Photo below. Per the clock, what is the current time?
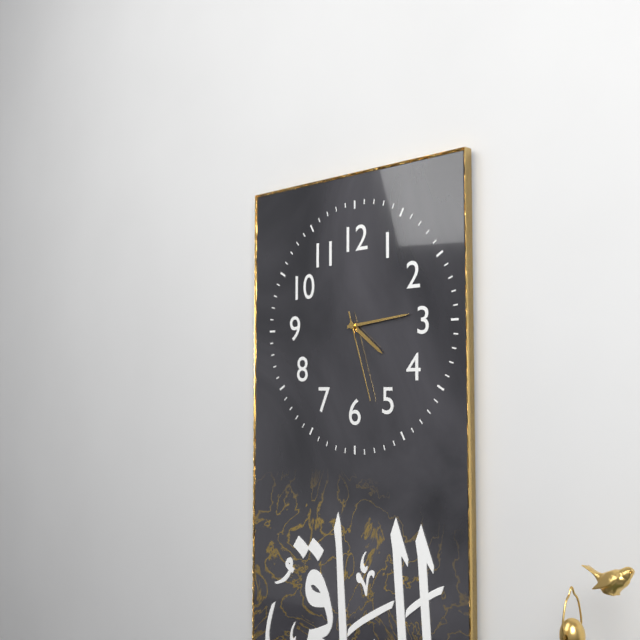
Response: 4:14:27
